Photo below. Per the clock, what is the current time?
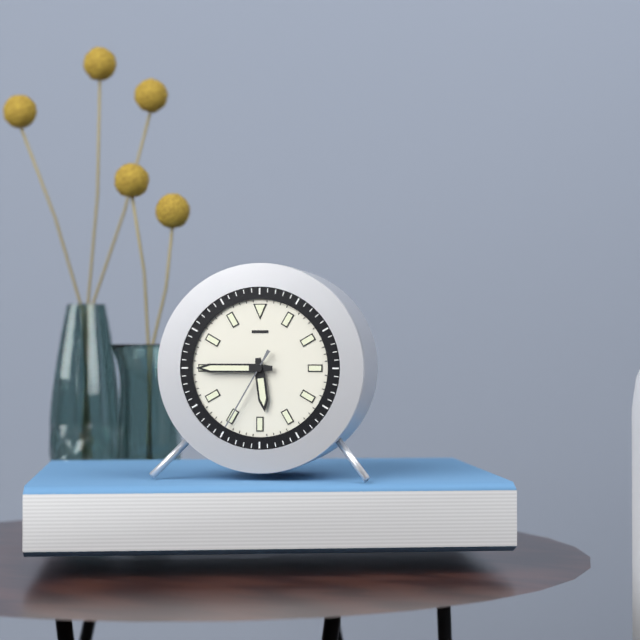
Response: 5:45:35
